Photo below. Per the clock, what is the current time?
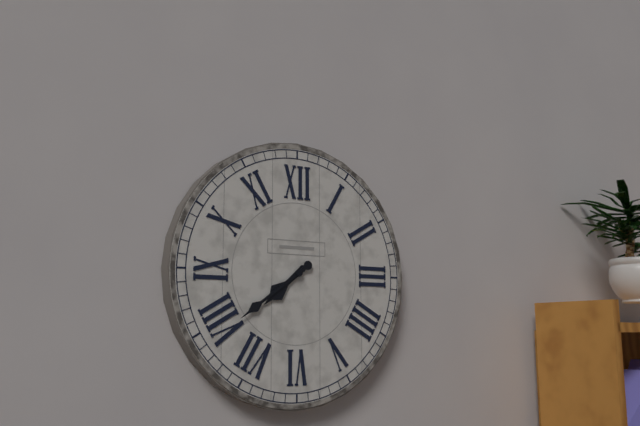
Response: 7:39
